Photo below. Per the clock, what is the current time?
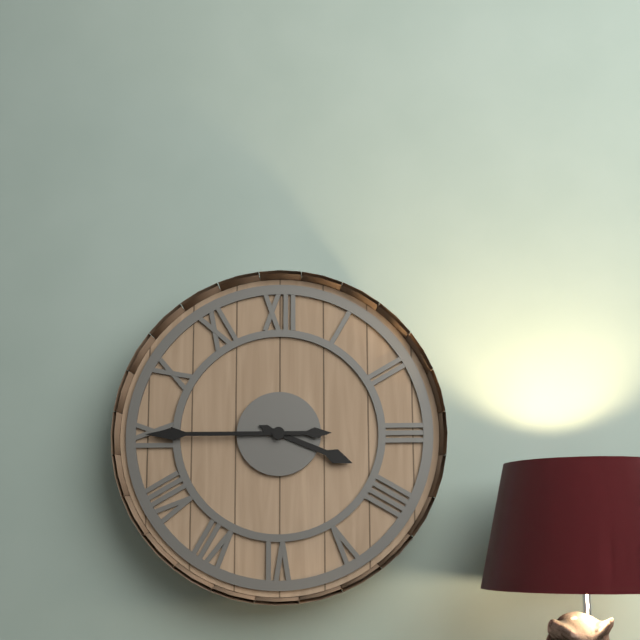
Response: 3:45
